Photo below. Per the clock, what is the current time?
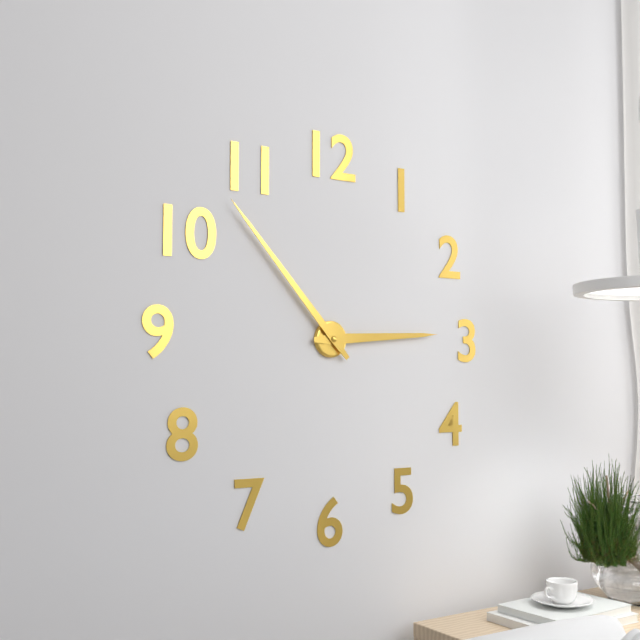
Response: 2:53
